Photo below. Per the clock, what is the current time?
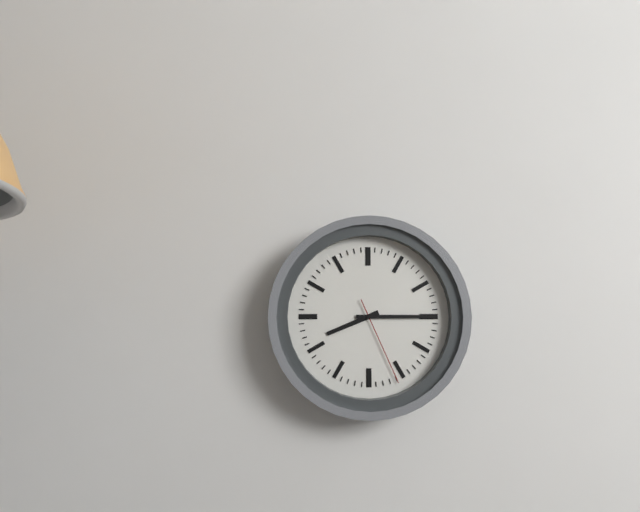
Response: 8:15:26
